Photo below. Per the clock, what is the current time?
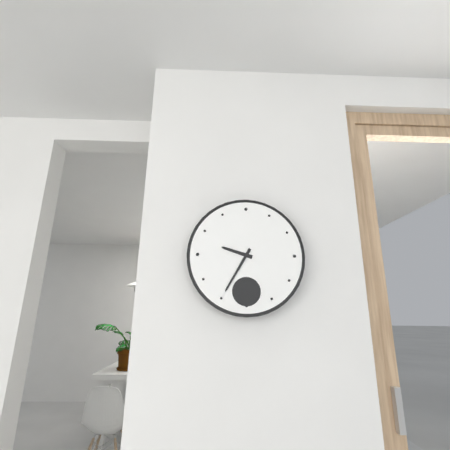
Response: 9:35
